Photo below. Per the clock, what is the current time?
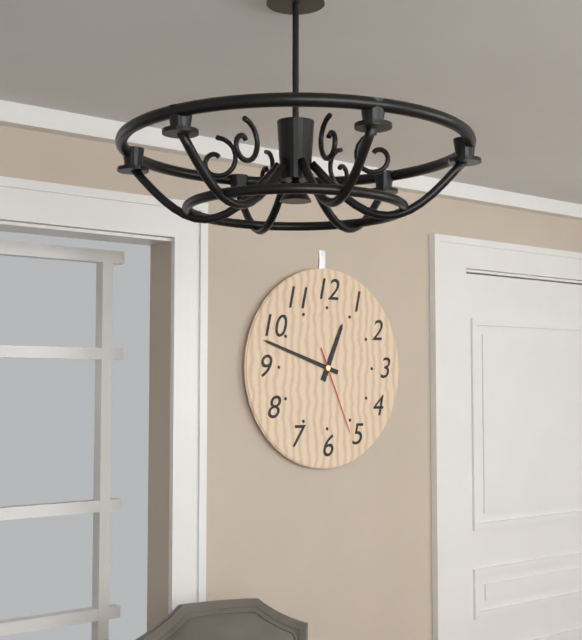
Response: 12:48:26
